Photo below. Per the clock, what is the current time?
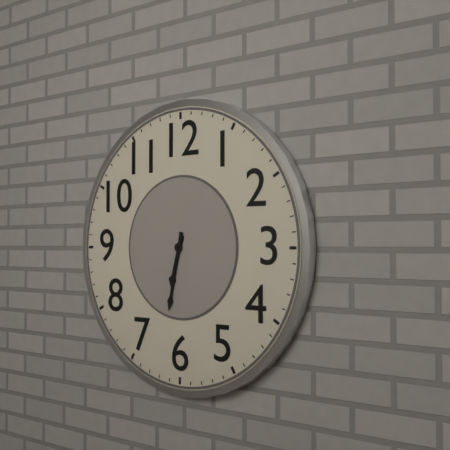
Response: 6:32
